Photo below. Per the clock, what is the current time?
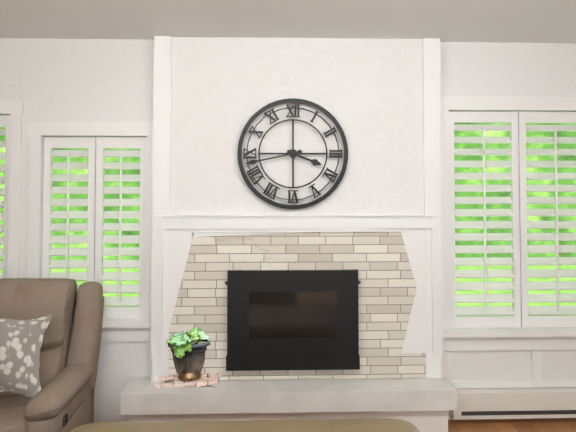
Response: 3:43
